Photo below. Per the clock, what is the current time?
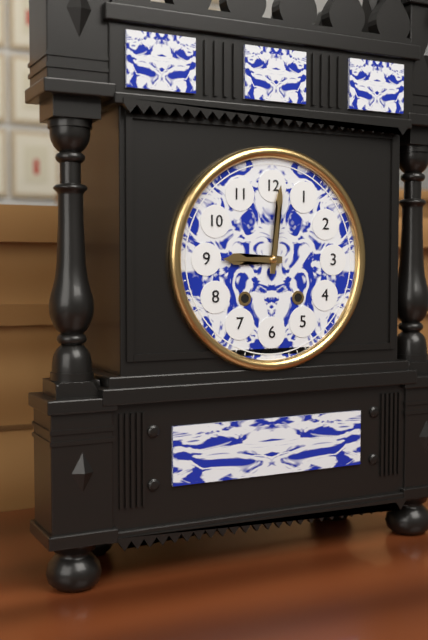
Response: 9:01
